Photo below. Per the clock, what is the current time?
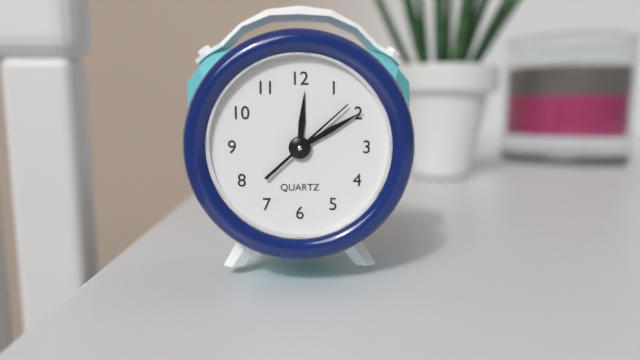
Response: 12:10:08
